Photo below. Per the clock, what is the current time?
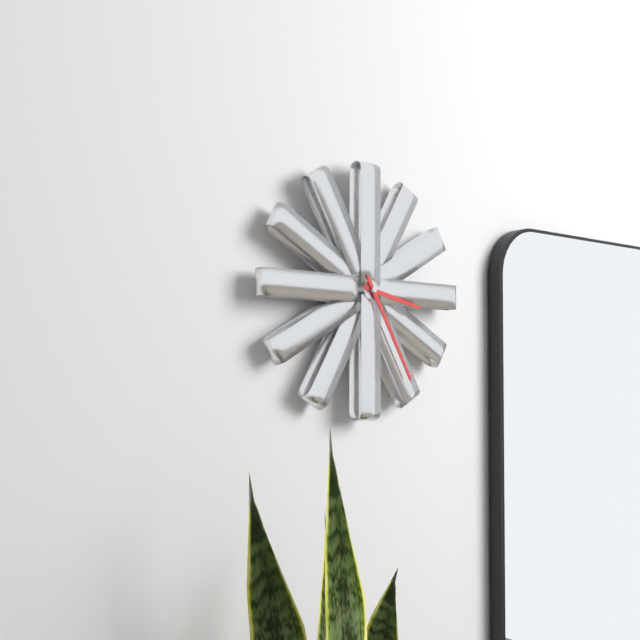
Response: 3:25
